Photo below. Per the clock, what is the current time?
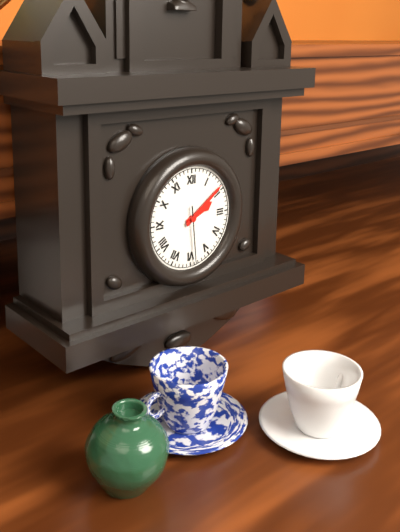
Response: 2:09:29
